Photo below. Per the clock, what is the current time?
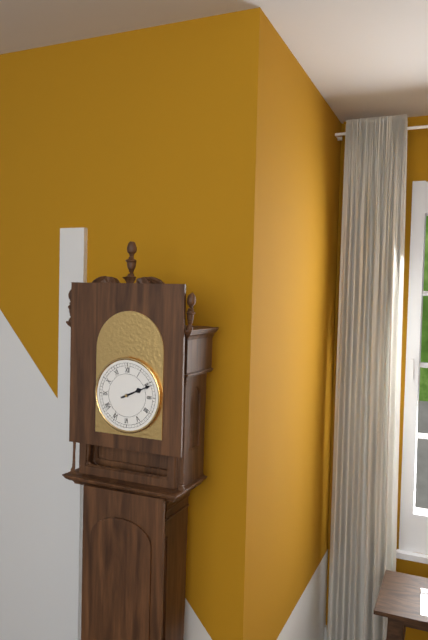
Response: 2:11
